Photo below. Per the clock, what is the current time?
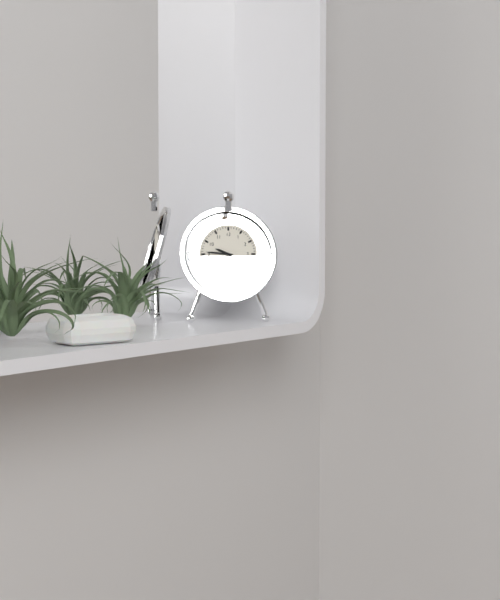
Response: 9:46
